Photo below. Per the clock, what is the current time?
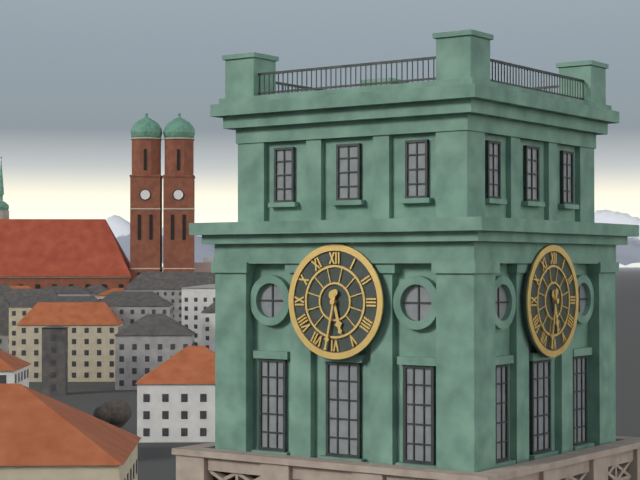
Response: 5:32
